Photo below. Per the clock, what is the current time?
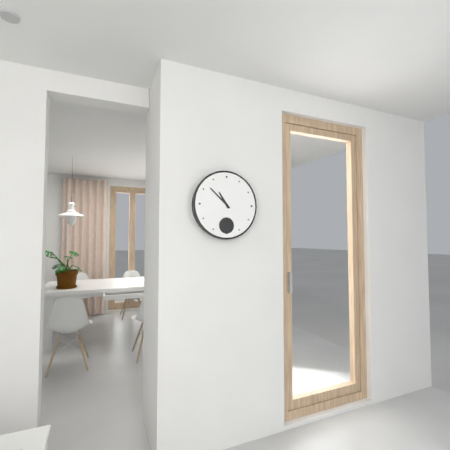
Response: 10:52
